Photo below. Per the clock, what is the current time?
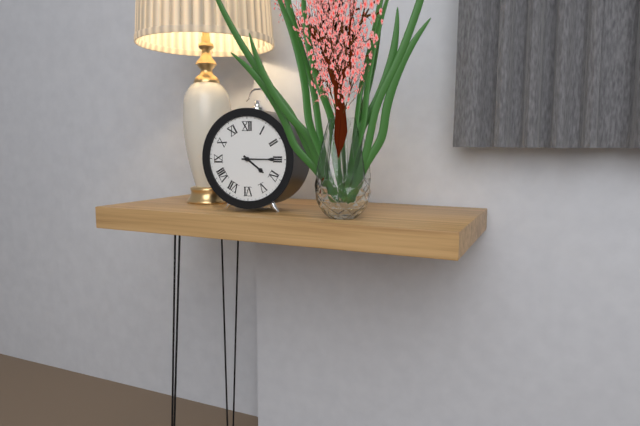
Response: 4:15
